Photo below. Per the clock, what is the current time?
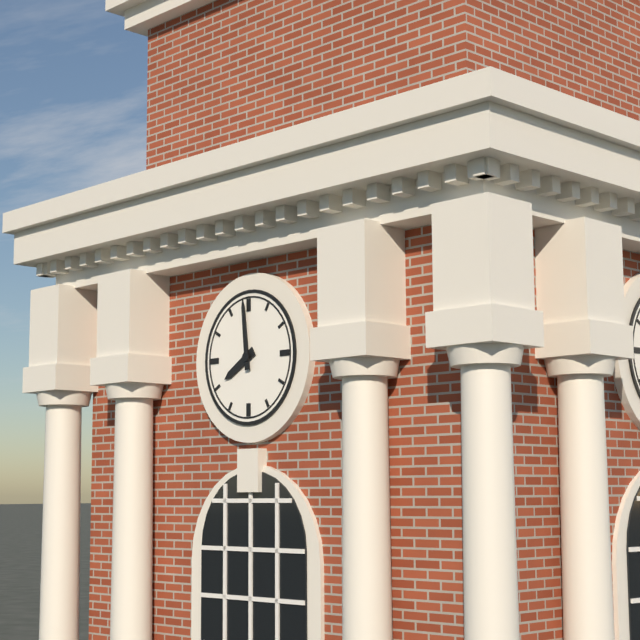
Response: 7:59
